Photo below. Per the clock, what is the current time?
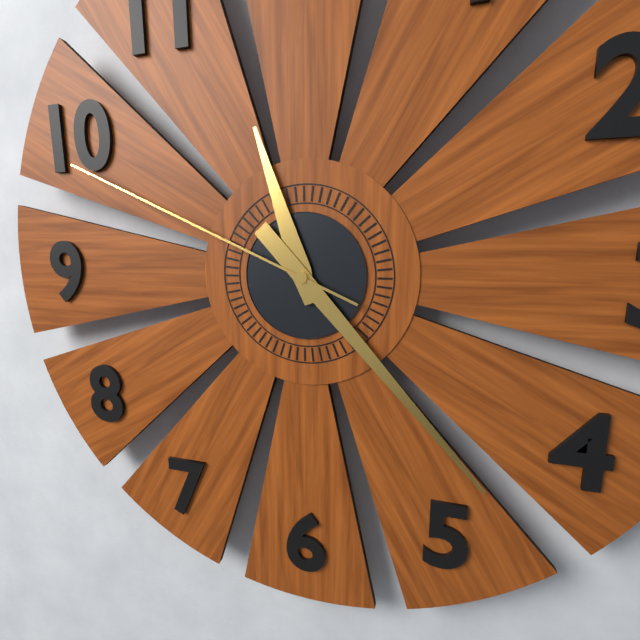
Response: 11:23:49
